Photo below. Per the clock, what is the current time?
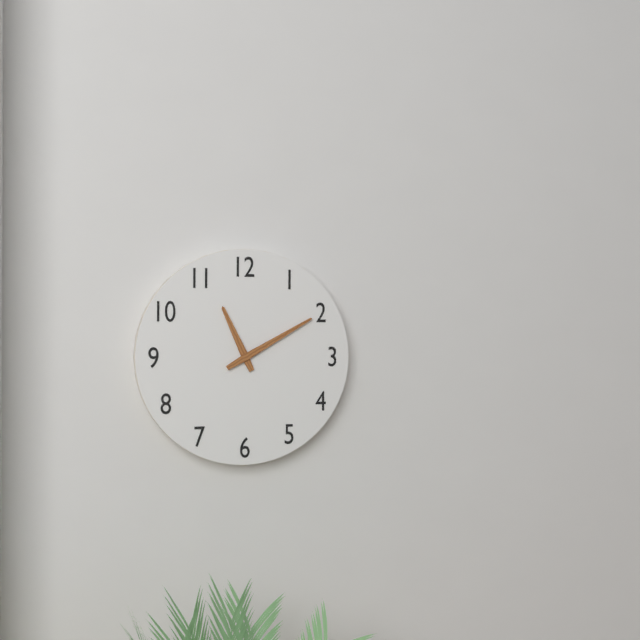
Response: 11:10
